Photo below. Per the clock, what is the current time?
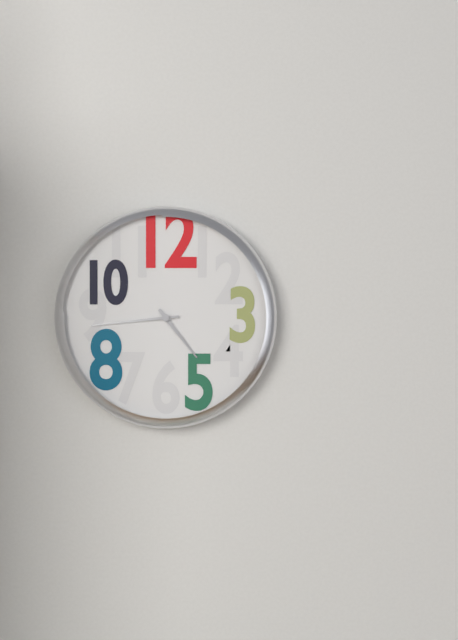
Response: 4:44
